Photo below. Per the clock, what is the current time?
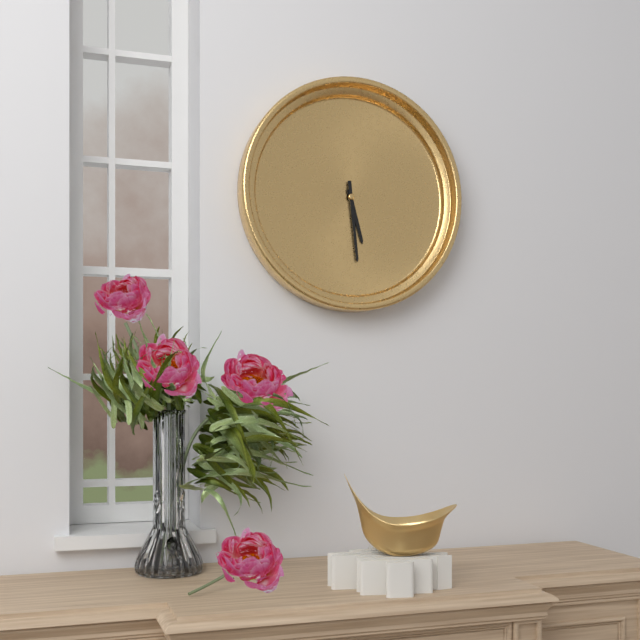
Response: 5:29
